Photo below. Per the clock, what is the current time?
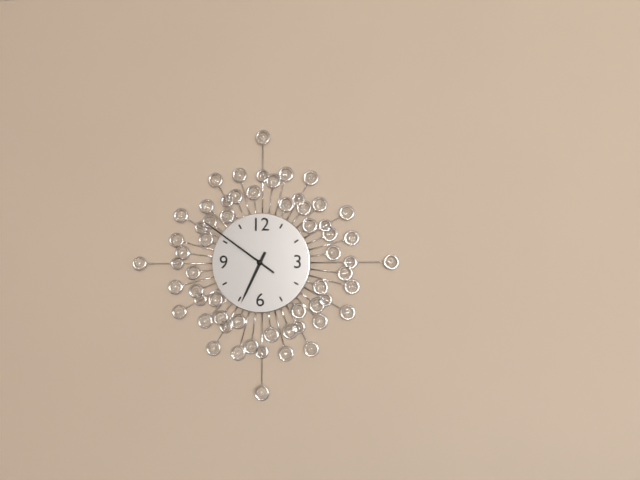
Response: 6:51
